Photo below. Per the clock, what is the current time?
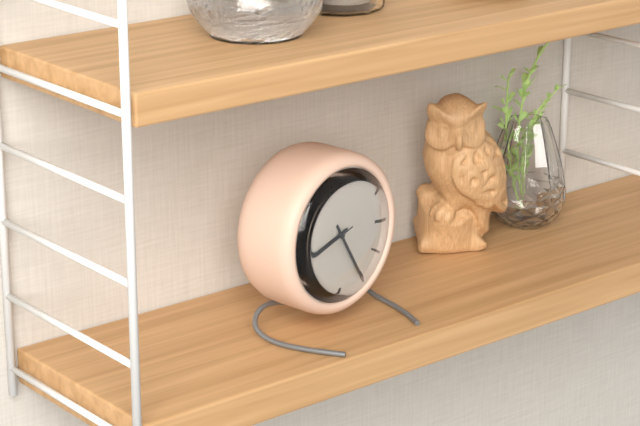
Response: 8:25:42
